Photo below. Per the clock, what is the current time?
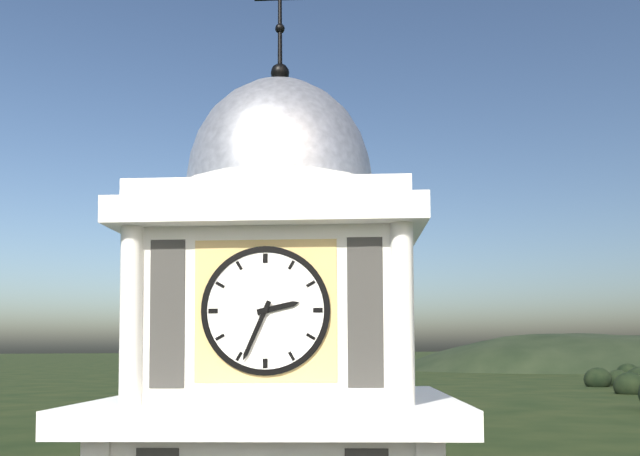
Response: 2:34
